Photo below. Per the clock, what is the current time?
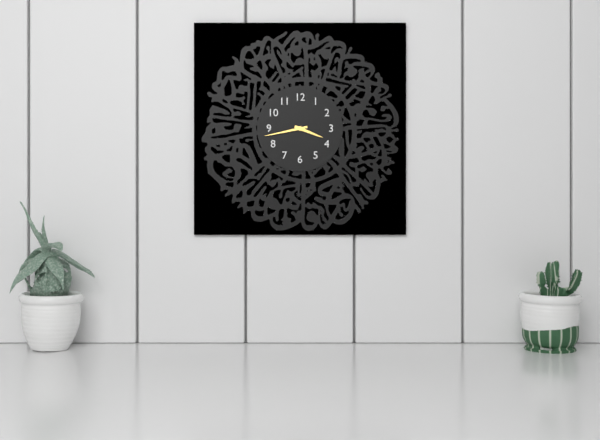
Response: 3:43
